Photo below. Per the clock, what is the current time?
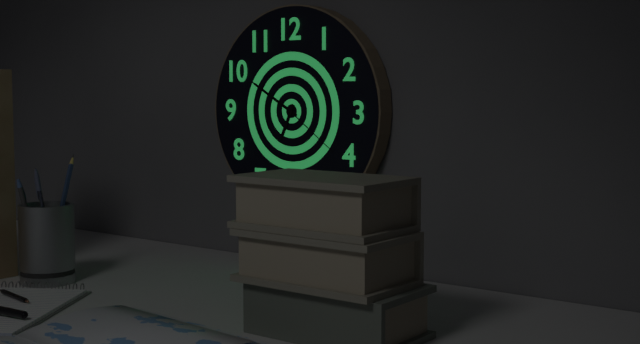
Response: 6:50:21
